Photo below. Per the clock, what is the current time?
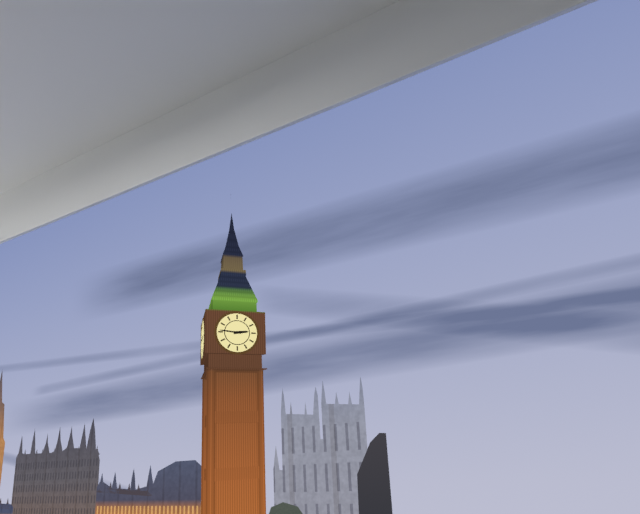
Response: 2:46
